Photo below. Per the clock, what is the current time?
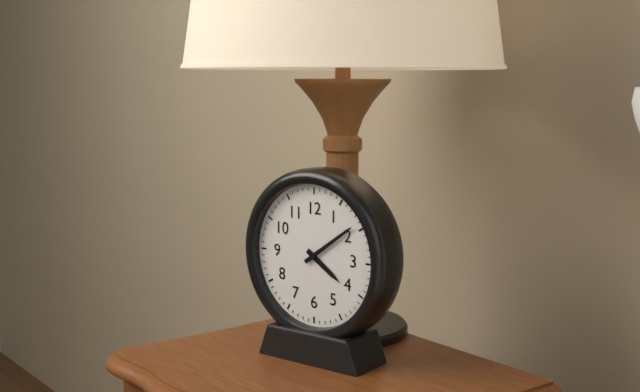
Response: 4:09
